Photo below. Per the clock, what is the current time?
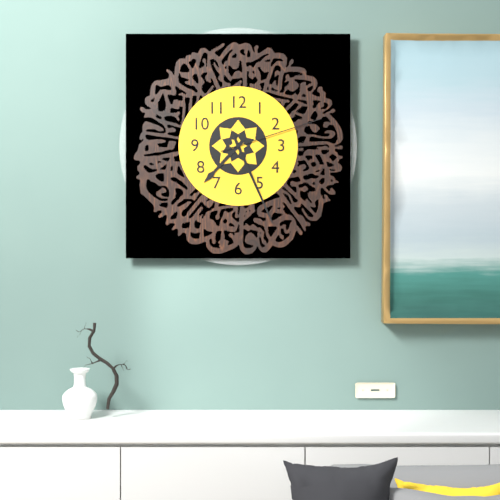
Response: 7:26:12
